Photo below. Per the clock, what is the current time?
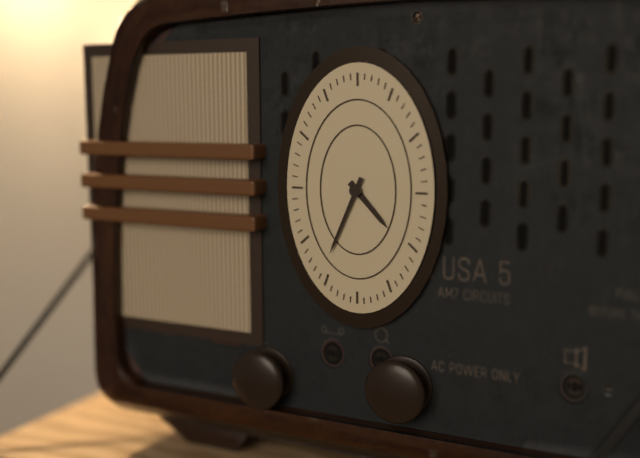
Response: 4:34
